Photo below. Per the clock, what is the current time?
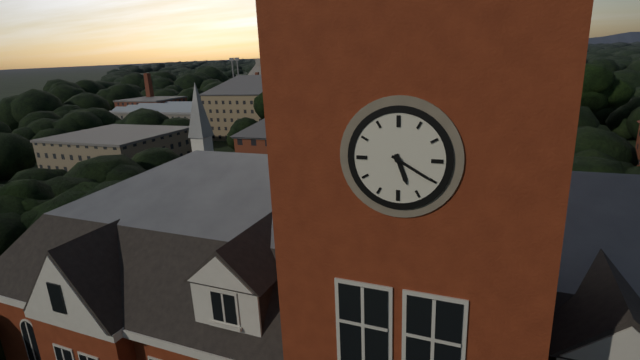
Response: 5:20
